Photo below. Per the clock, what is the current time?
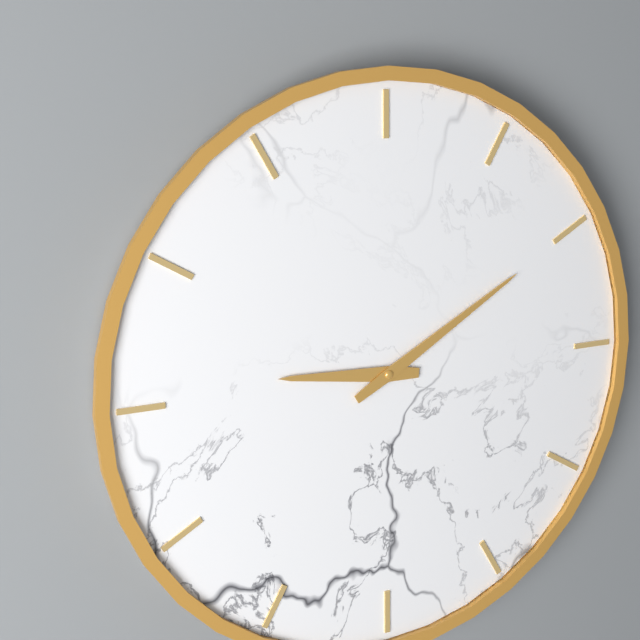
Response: 9:10
